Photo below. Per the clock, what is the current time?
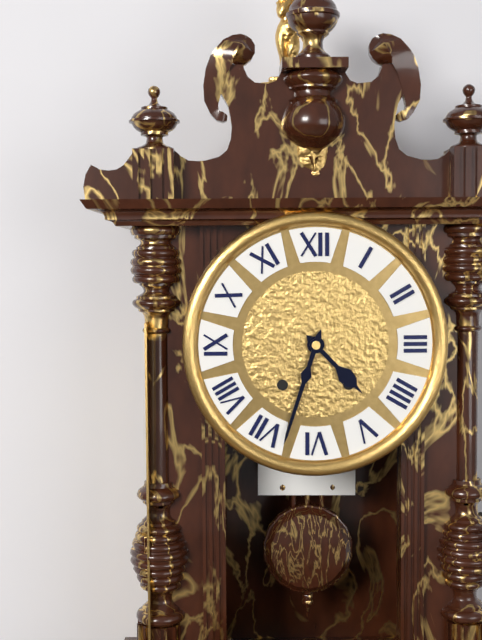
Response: 4:33
